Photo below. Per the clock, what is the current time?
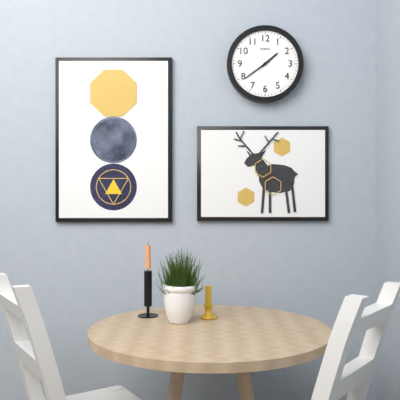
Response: 1:39
